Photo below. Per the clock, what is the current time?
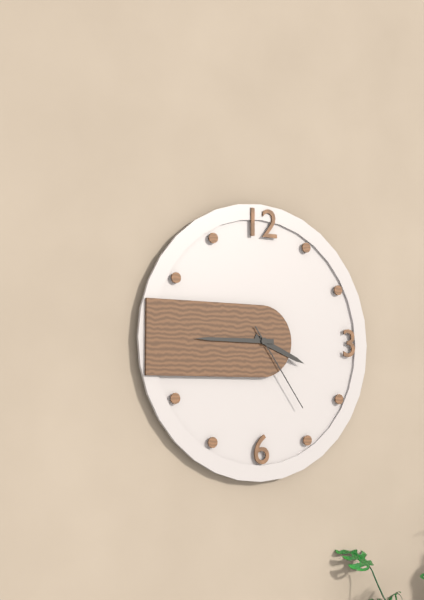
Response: 3:45:24
